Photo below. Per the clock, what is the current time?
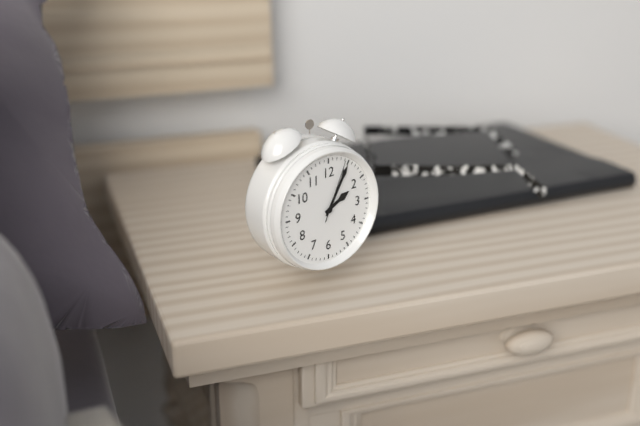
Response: 2:05:04
